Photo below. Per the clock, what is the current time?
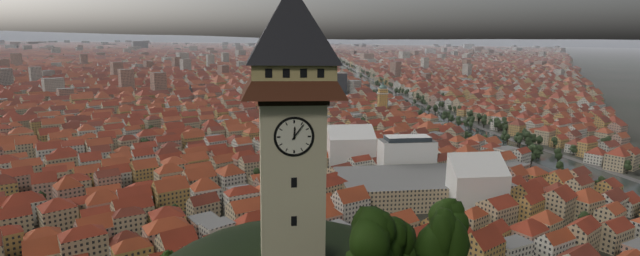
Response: 12:06
